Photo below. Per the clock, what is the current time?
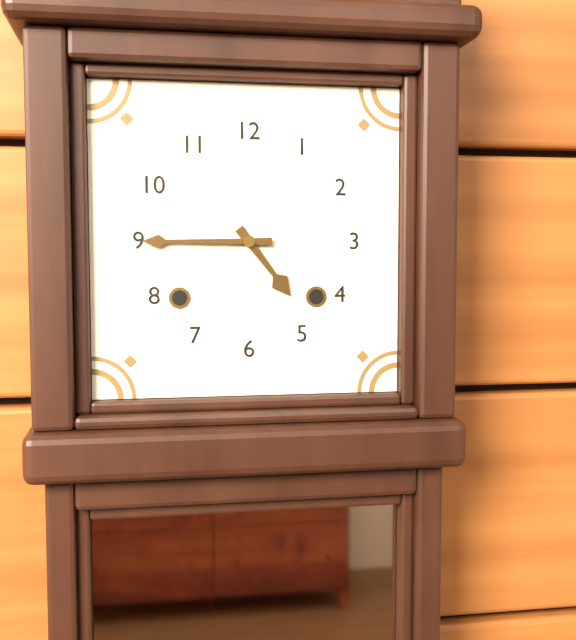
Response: 4:45
